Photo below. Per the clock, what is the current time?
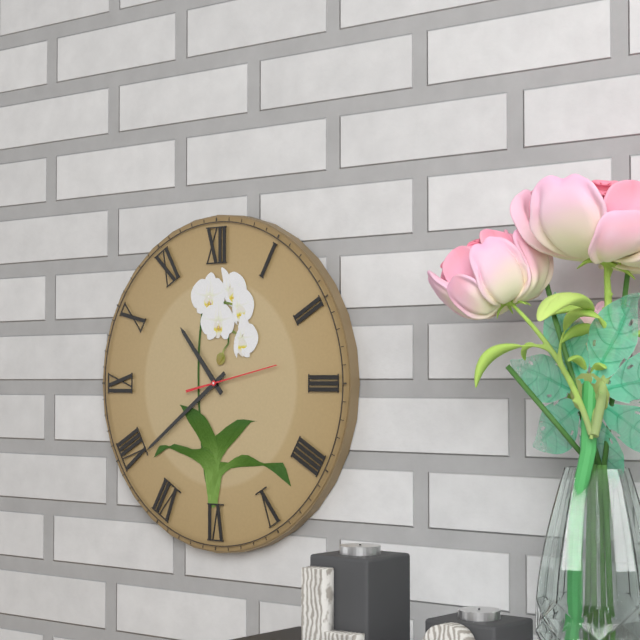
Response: 10:39:13
